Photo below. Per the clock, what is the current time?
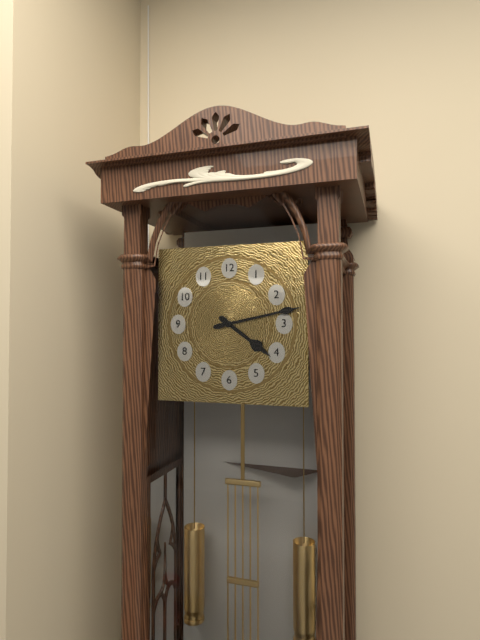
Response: 4:13
